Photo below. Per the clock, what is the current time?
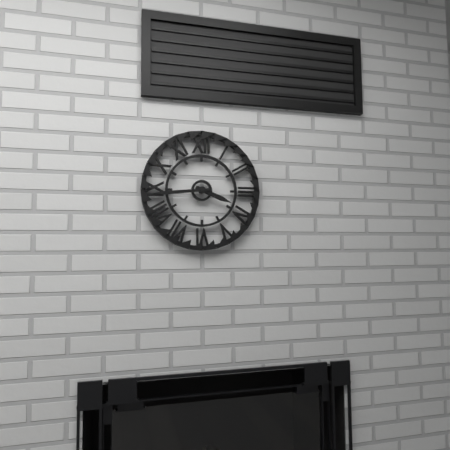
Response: 3:44
